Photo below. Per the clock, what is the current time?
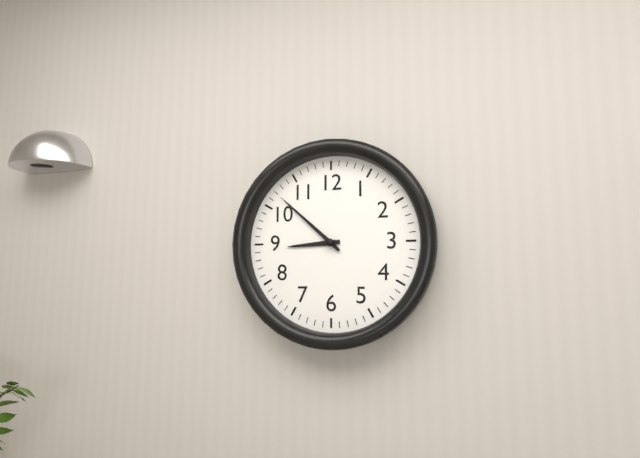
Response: 8:52
